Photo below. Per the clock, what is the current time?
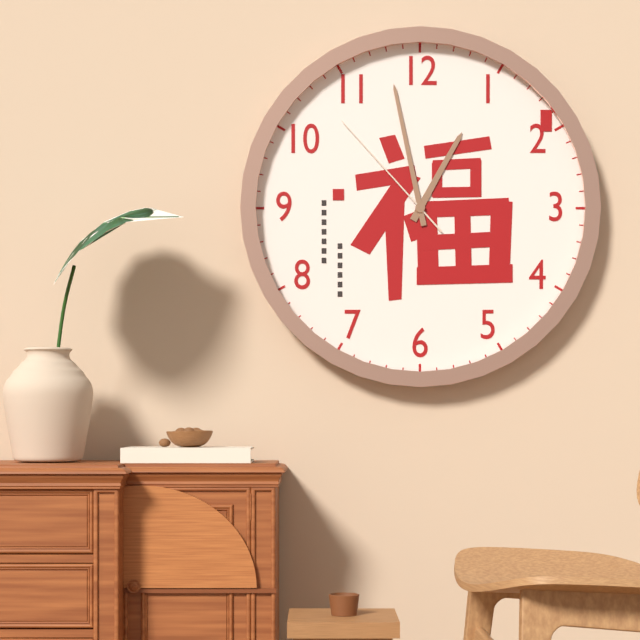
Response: 12:58:53
